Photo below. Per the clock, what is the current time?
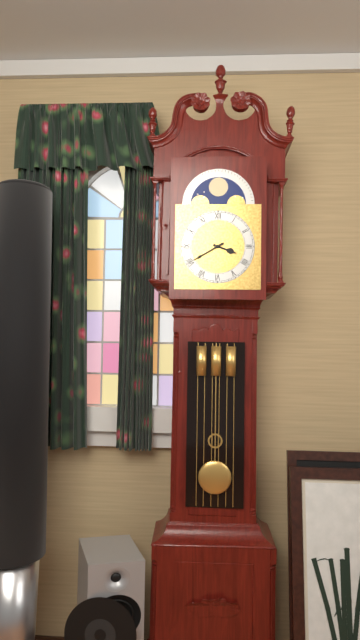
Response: 3:40
